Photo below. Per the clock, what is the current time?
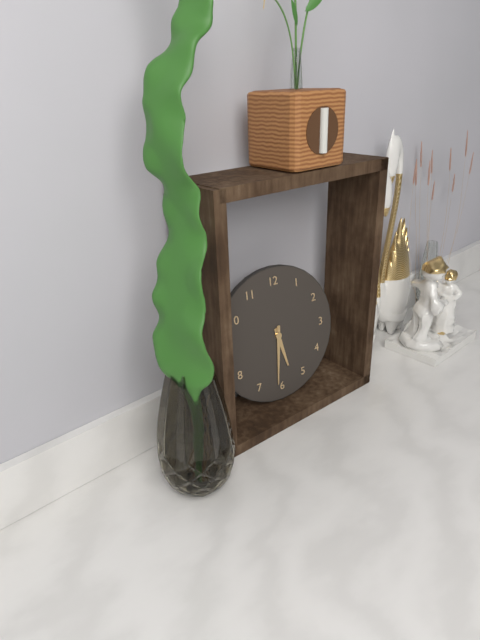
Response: 5:31
